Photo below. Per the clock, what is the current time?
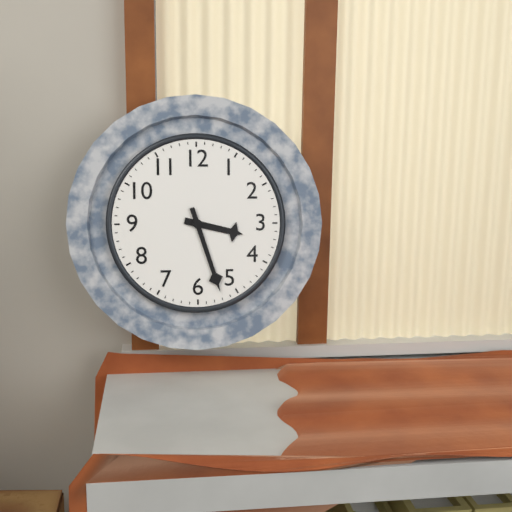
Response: 3:27
